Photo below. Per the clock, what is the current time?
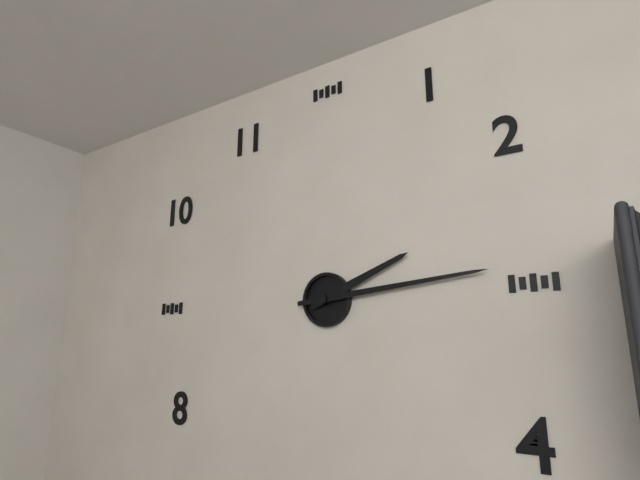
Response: 2:14
